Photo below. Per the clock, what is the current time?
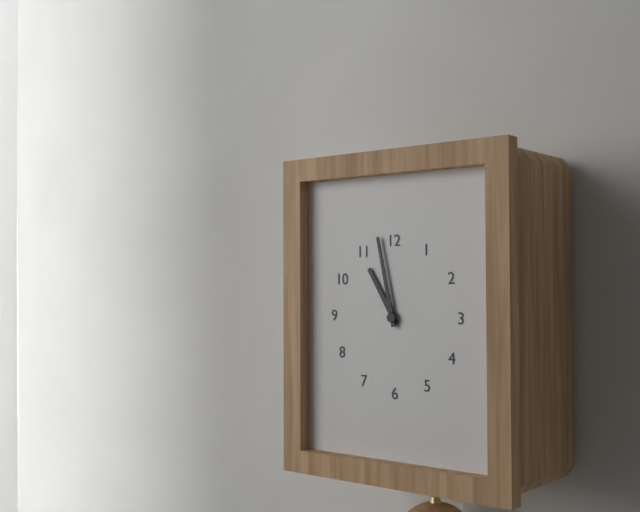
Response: 10:58
